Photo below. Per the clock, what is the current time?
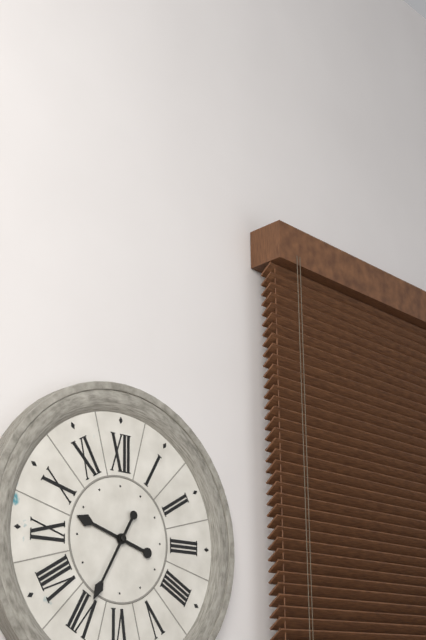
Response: 9:35
